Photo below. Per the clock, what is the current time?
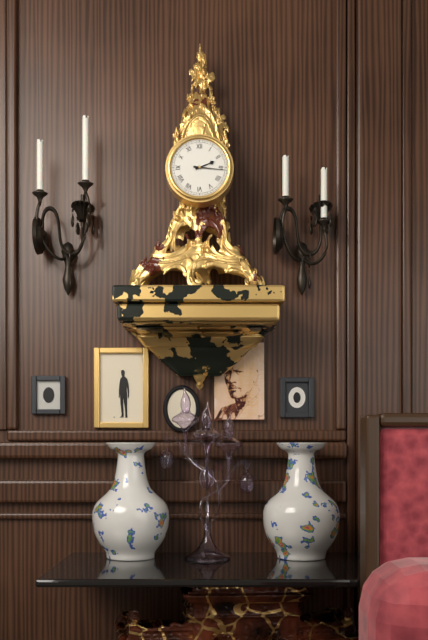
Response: 2:16
